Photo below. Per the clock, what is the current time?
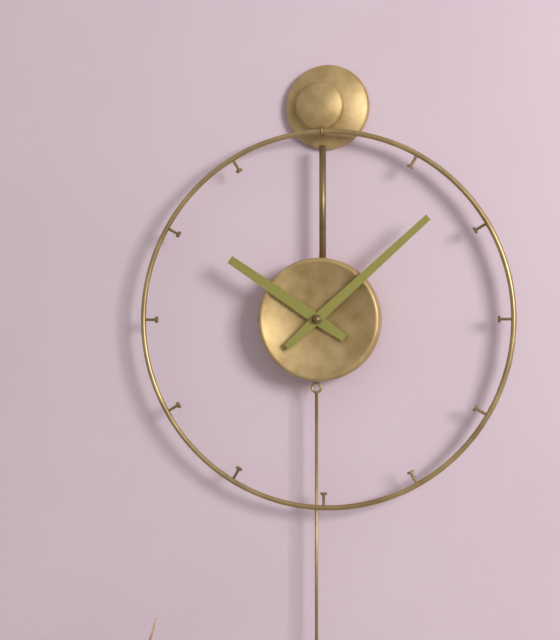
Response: 10:08
